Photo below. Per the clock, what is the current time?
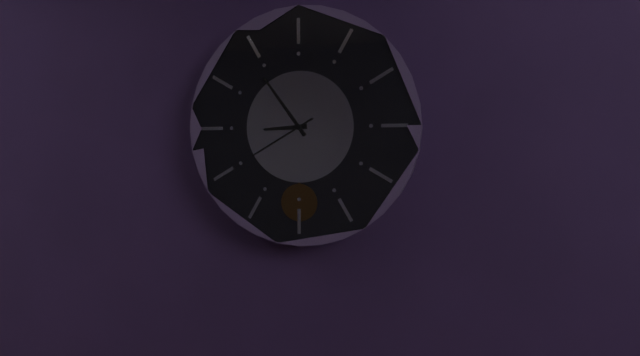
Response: 8:54:40
